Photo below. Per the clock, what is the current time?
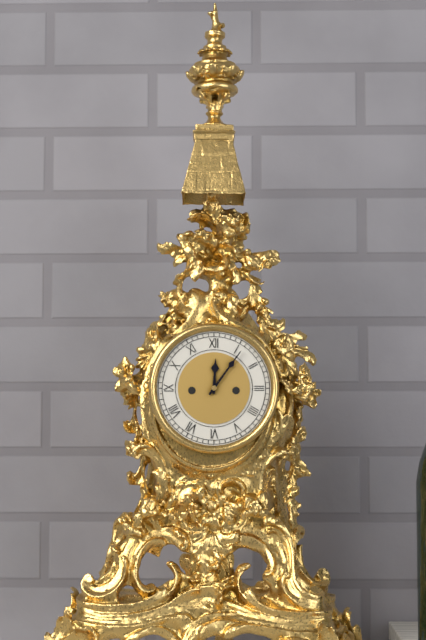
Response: 12:06
